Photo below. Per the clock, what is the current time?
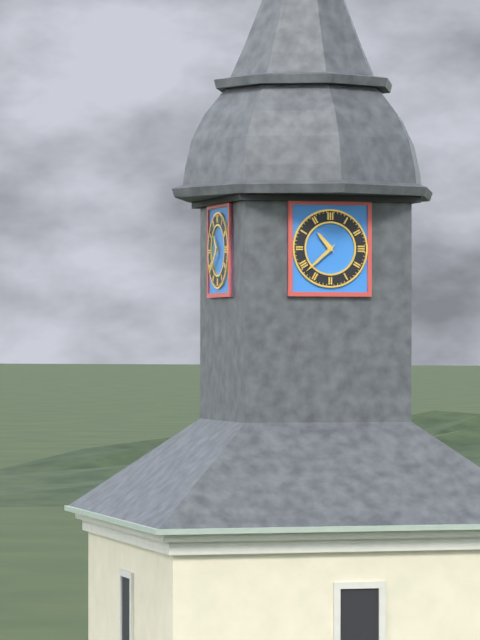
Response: 10:38
